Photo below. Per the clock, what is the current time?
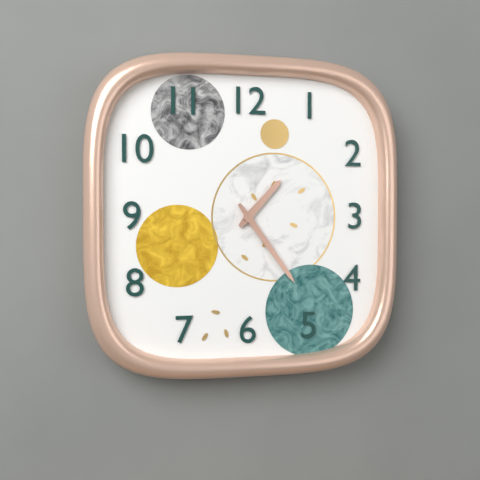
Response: 1:24
